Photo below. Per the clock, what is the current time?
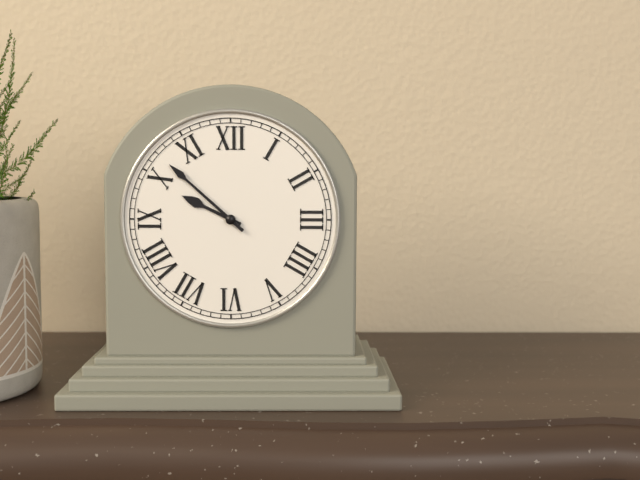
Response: 9:52
